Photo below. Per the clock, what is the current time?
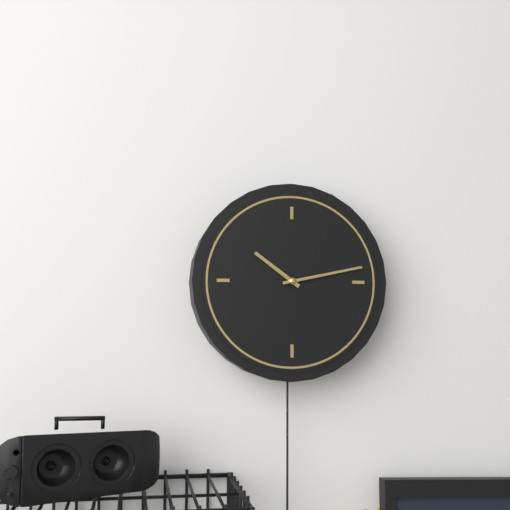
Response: 10:13
